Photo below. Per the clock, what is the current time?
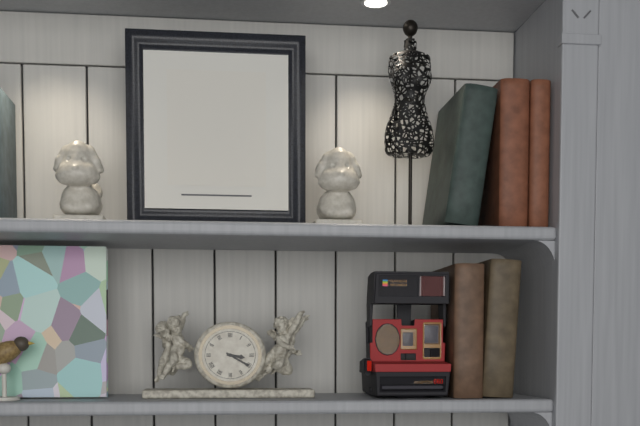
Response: 3:20
